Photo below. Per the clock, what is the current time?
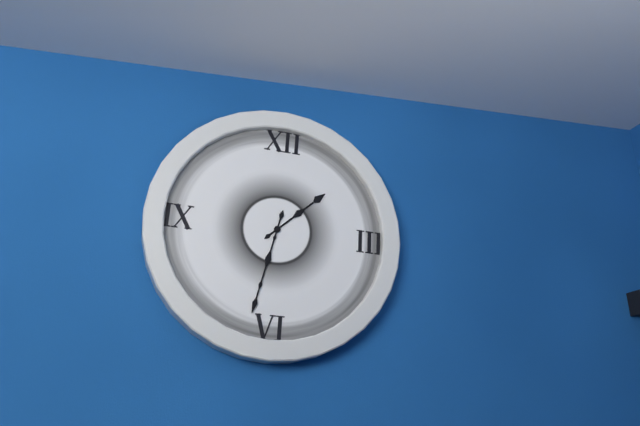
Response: 1:32
